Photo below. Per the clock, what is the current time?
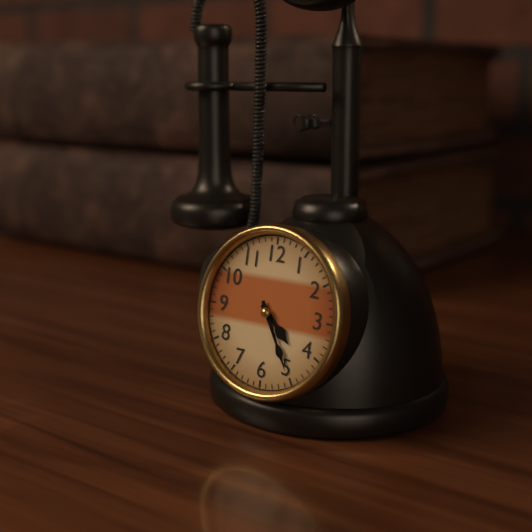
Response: 4:25
